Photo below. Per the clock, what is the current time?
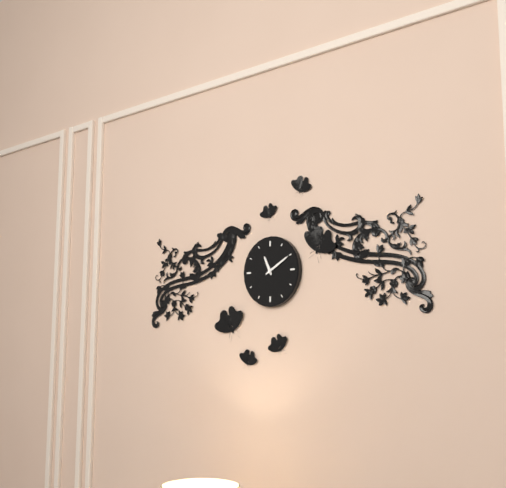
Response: 11:10
